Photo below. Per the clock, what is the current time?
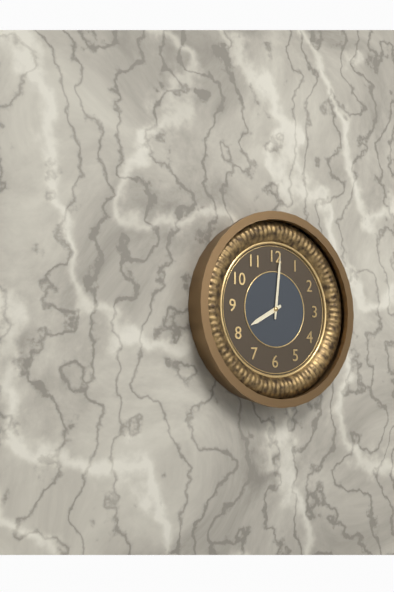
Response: 8:01
